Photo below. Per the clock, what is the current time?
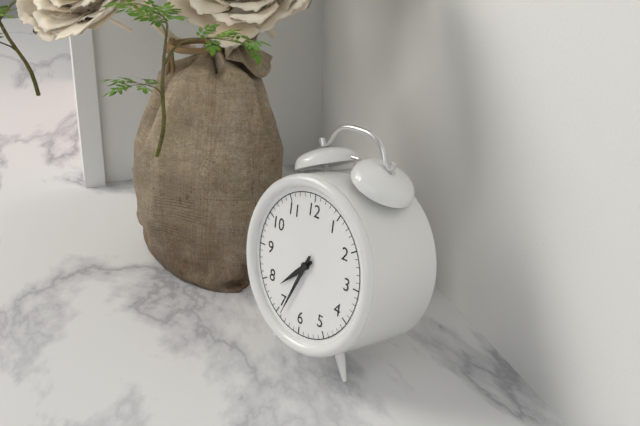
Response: 7:34
